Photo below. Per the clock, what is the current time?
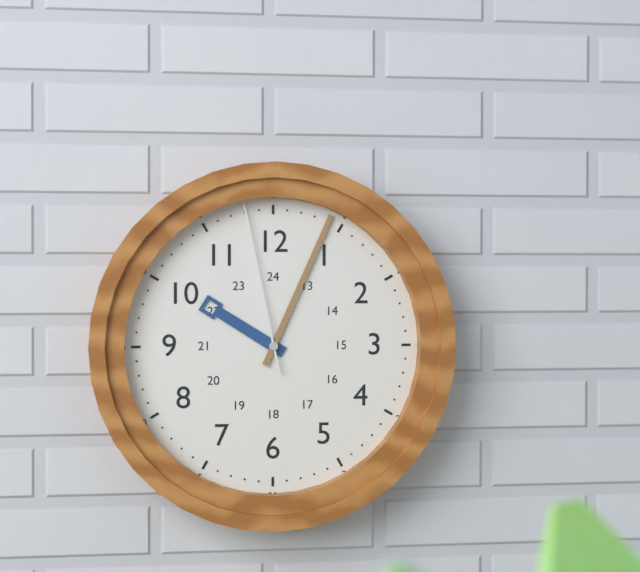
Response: 10:04:58
